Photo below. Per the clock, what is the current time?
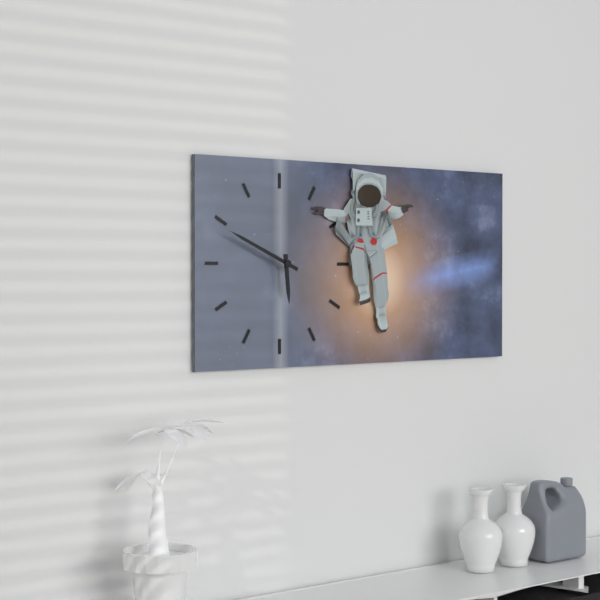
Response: 5:49
